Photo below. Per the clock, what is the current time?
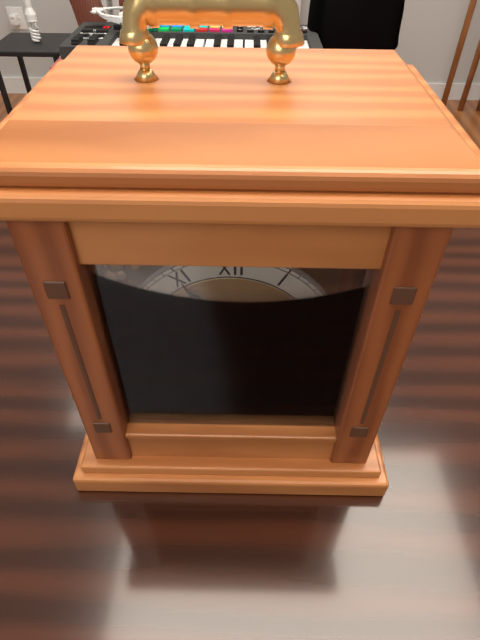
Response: 12:55
